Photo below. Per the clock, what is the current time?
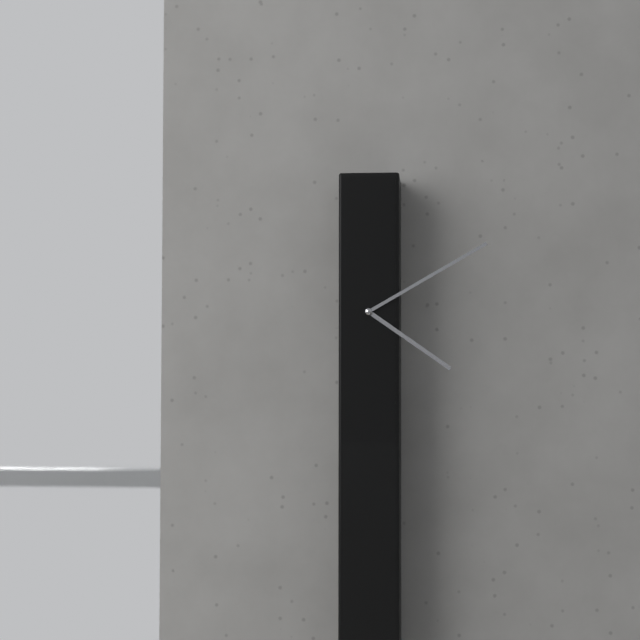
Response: 4:10
